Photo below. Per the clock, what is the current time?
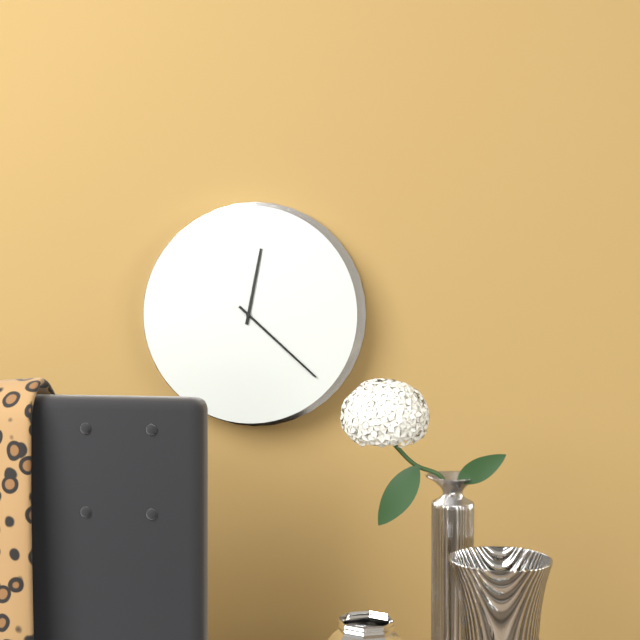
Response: 12:22
